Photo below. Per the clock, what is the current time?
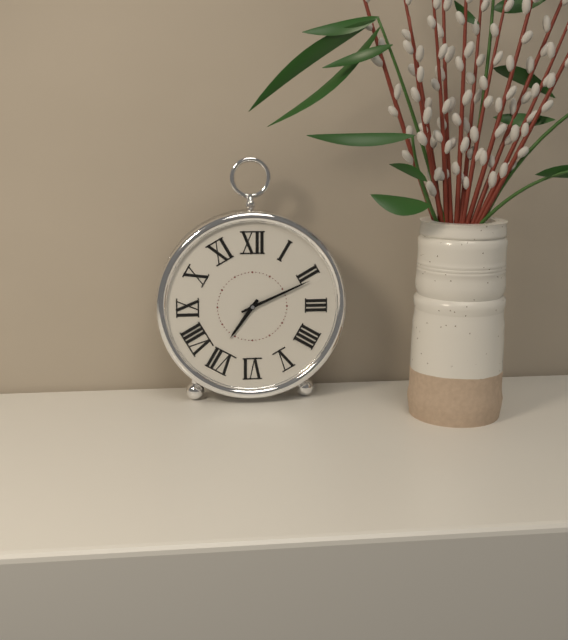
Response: 7:11
